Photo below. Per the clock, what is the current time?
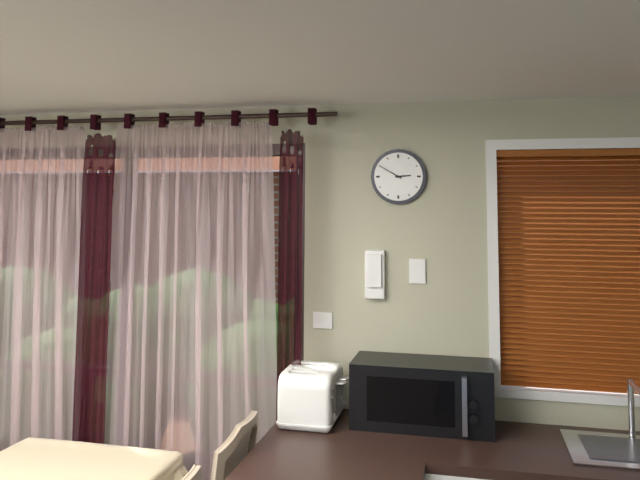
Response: 2:50
